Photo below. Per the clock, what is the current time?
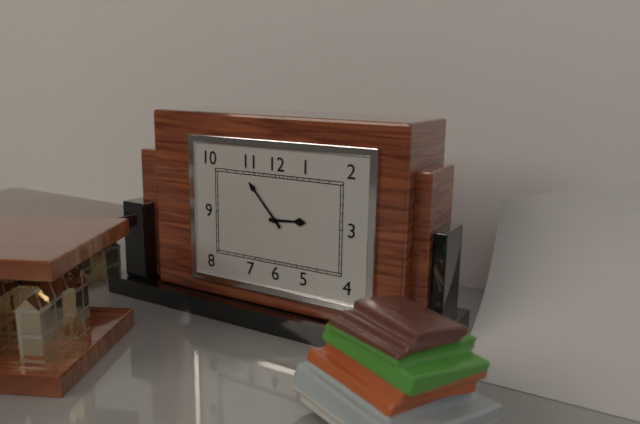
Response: 2:53
